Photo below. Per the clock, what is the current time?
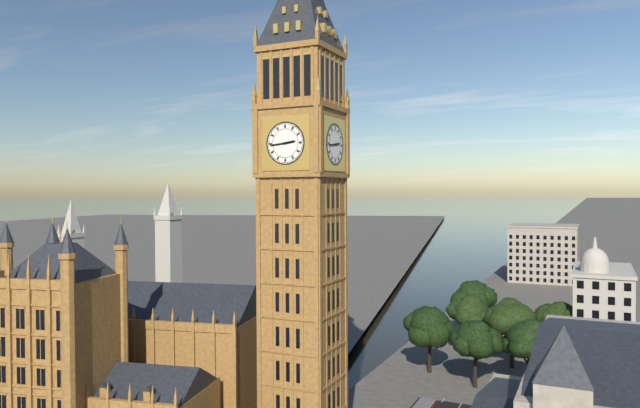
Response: 2:44
